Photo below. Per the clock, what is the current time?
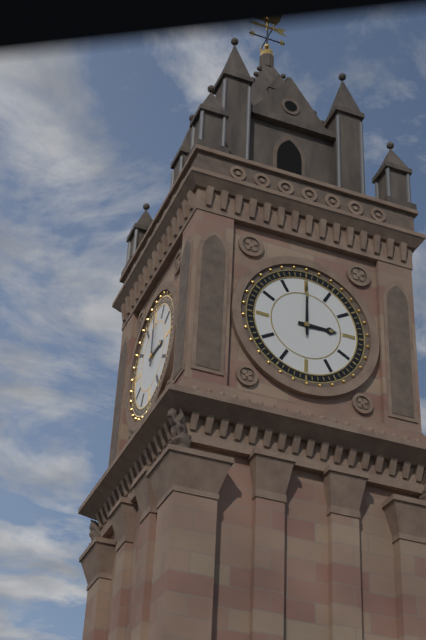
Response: 3:00
